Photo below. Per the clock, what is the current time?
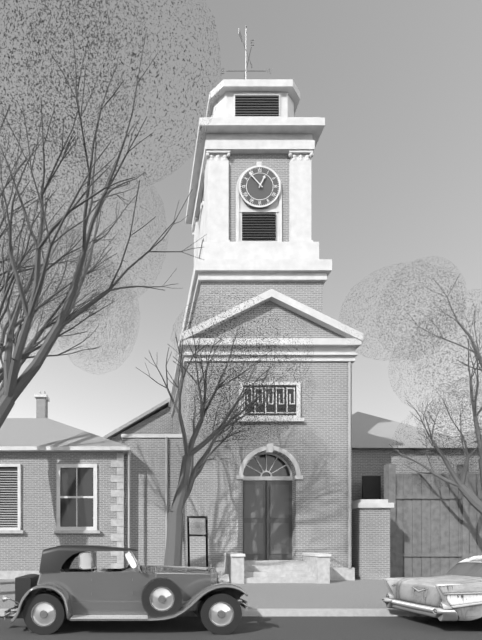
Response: 12:53
